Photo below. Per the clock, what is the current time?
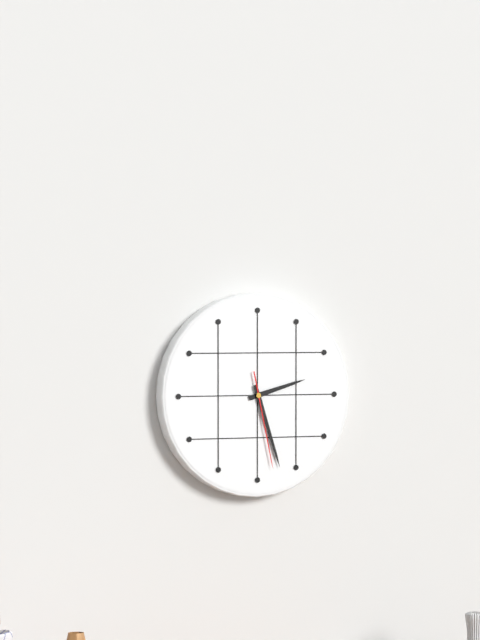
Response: 2:27:28
